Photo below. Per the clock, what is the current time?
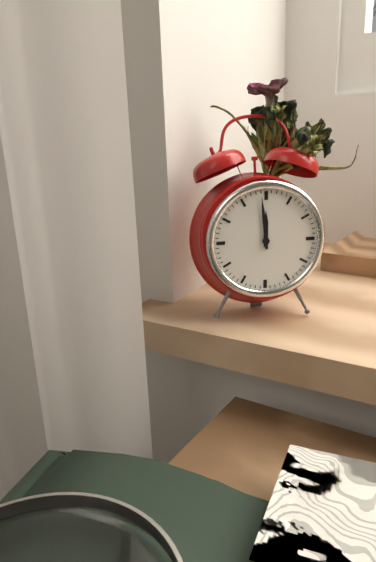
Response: 11:59
